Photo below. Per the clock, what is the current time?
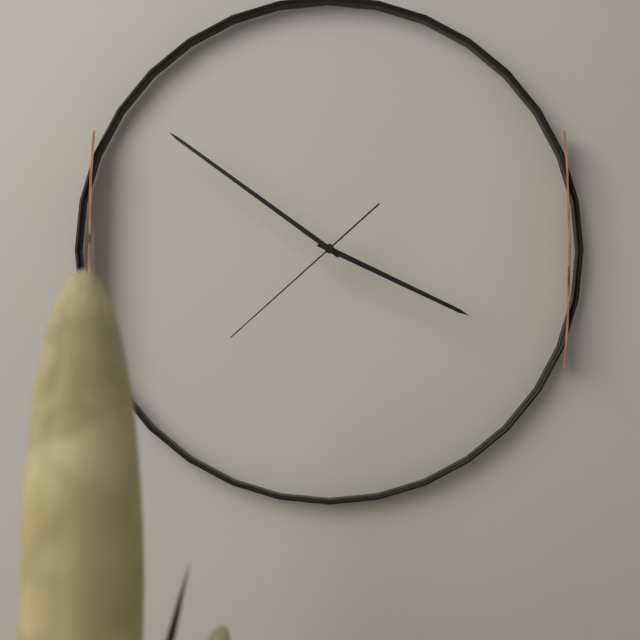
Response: 3:51:38
